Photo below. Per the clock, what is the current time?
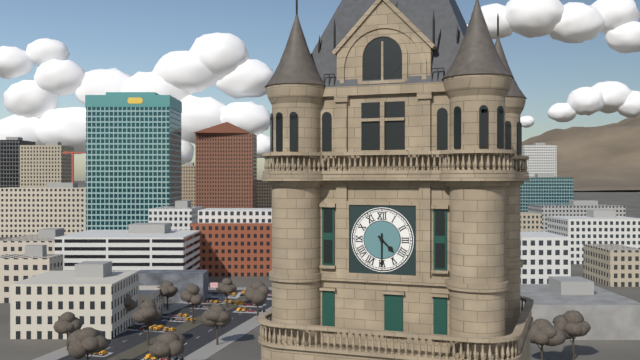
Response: 4:30
